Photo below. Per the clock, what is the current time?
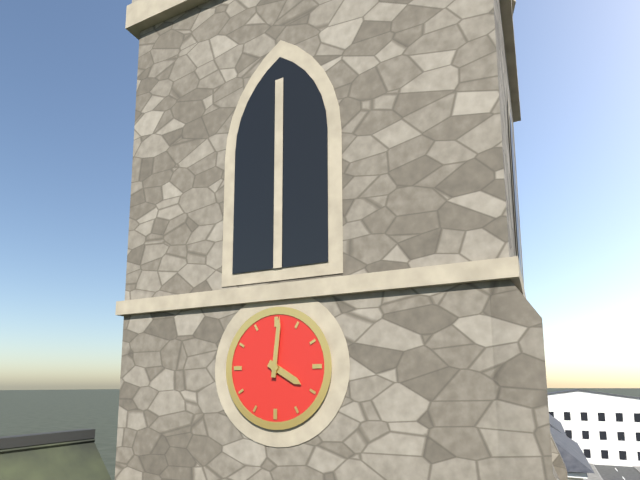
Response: 4:01
